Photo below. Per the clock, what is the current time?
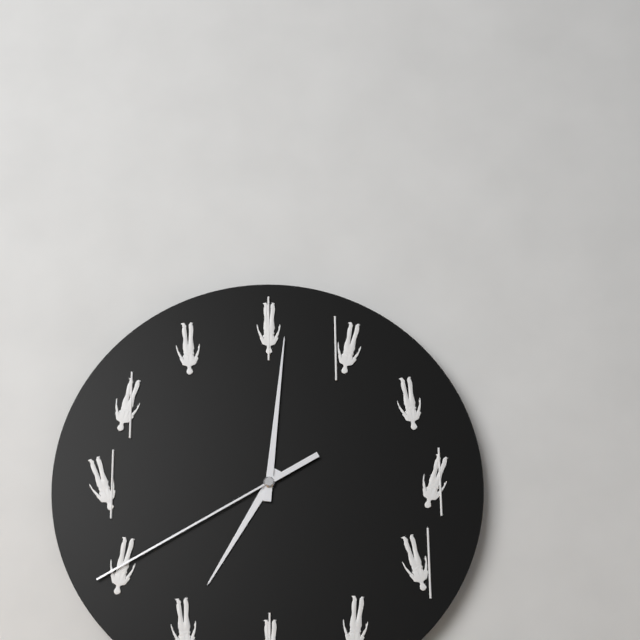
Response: 7:01:40
